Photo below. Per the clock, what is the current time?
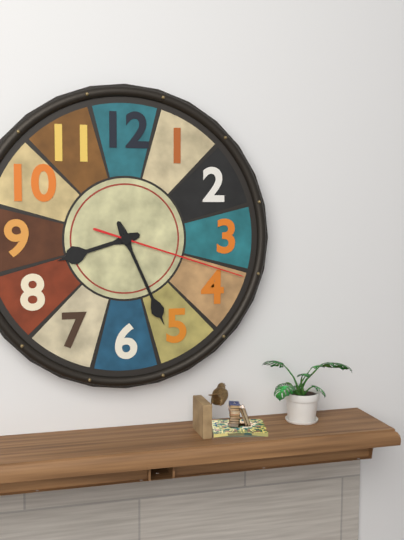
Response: 8:26:18
